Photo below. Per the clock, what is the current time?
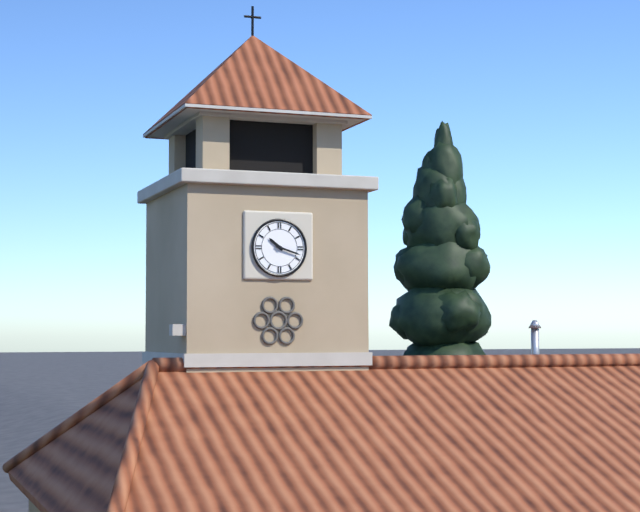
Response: 10:18
